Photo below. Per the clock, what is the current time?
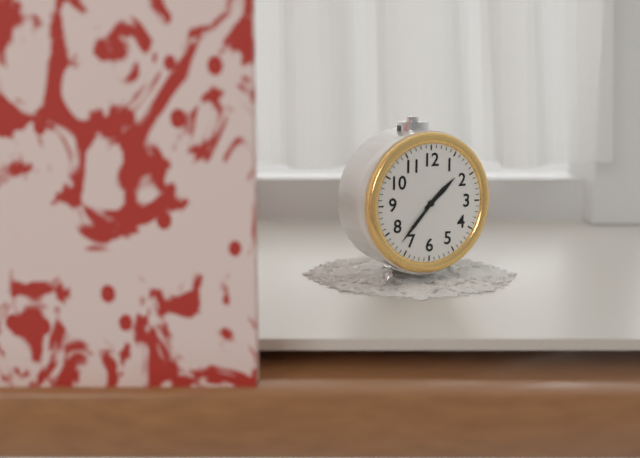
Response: 1:37
